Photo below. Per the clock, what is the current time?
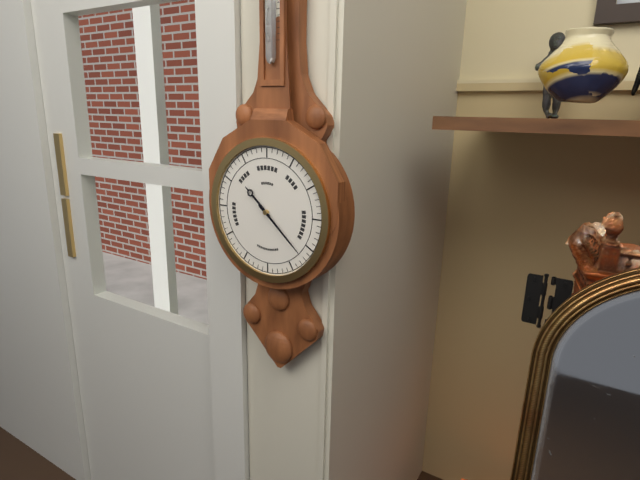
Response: 10:22
